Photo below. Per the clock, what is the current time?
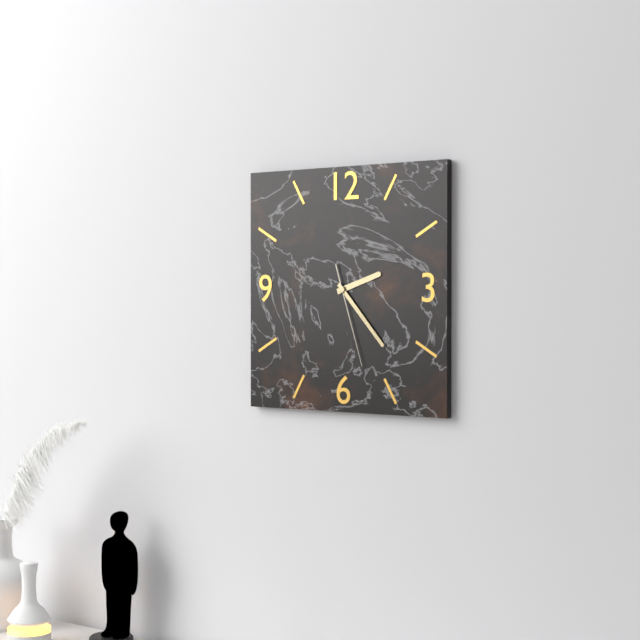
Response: 2:23:27
